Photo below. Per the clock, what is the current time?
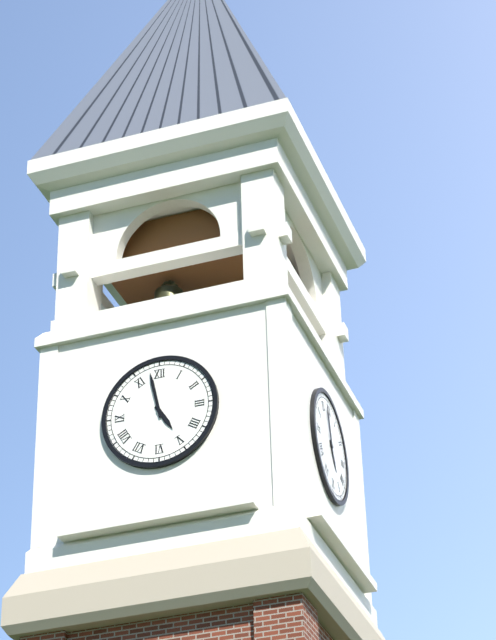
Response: 4:58
